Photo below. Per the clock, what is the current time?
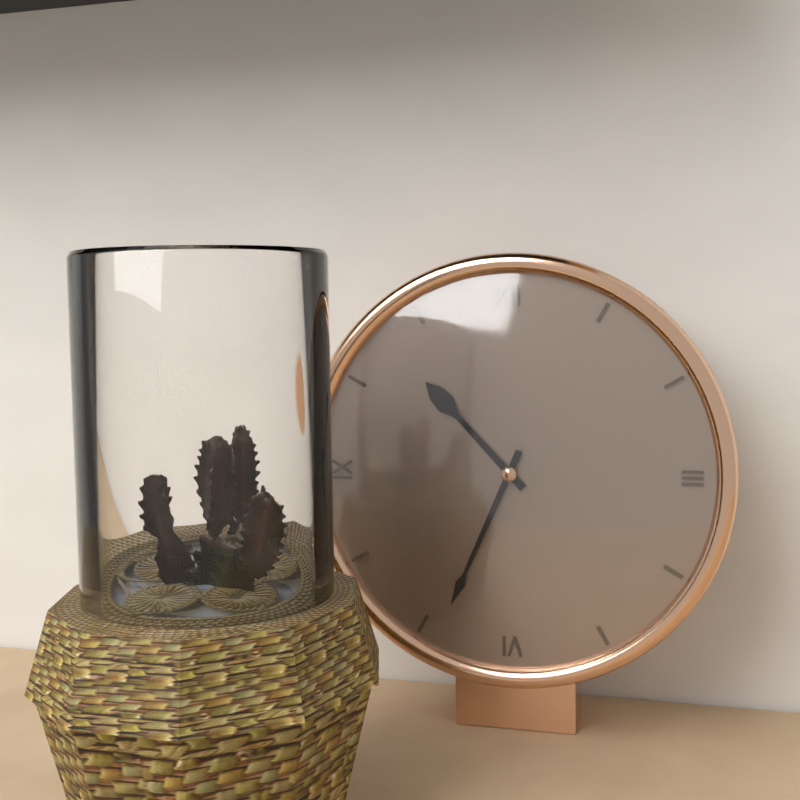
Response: 10:34
